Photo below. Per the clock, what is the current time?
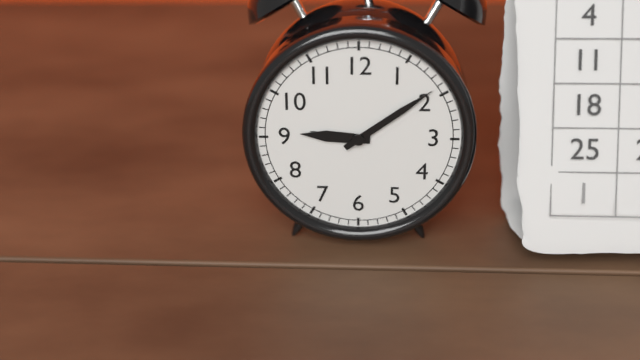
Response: 9:09
